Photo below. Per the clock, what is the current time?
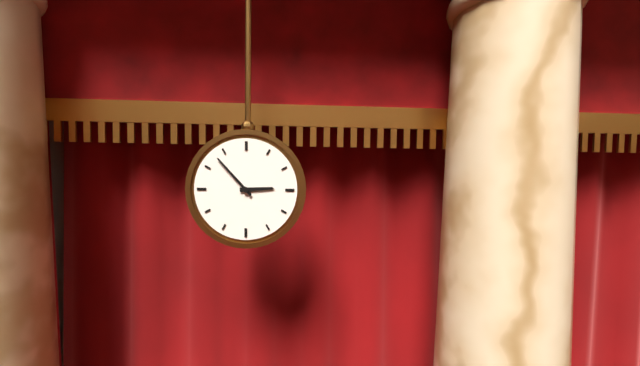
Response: 2:53
